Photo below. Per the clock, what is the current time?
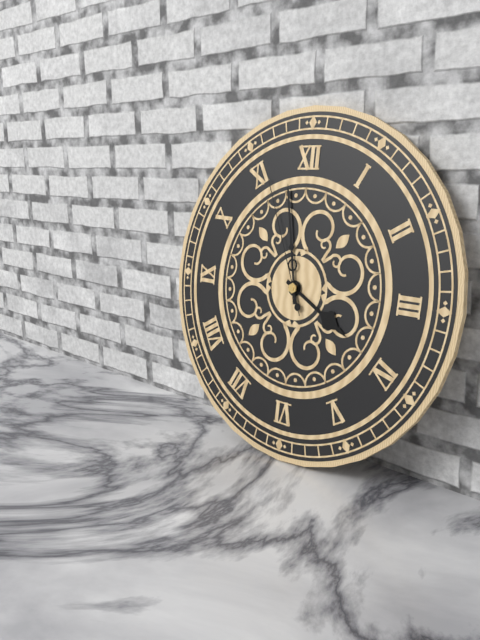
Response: 3:58:56
